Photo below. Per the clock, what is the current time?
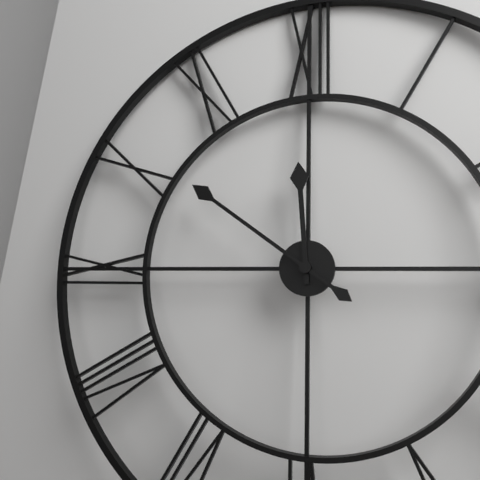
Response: 11:51
